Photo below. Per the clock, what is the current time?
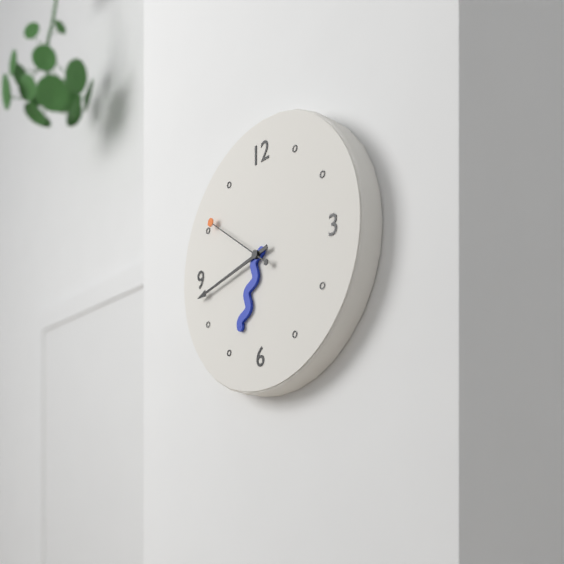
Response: 6:43:51
